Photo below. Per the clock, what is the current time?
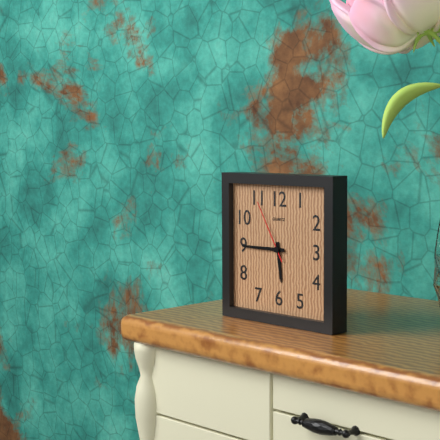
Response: 5:45:55
